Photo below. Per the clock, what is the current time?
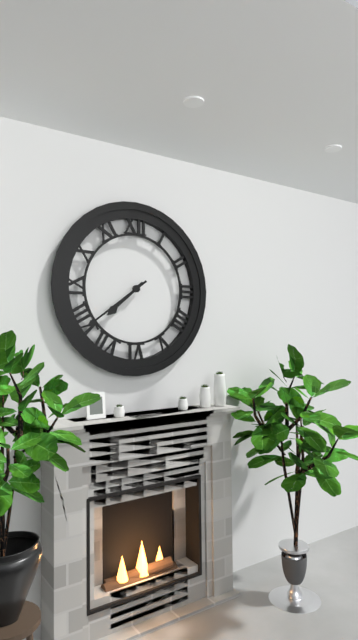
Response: 7:39
